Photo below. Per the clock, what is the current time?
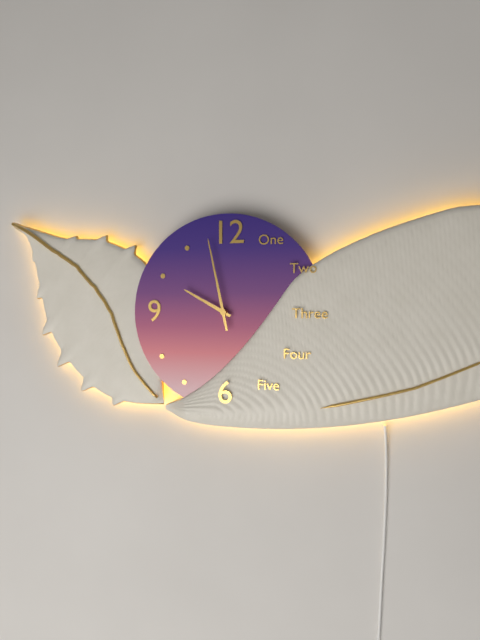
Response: 9:58
